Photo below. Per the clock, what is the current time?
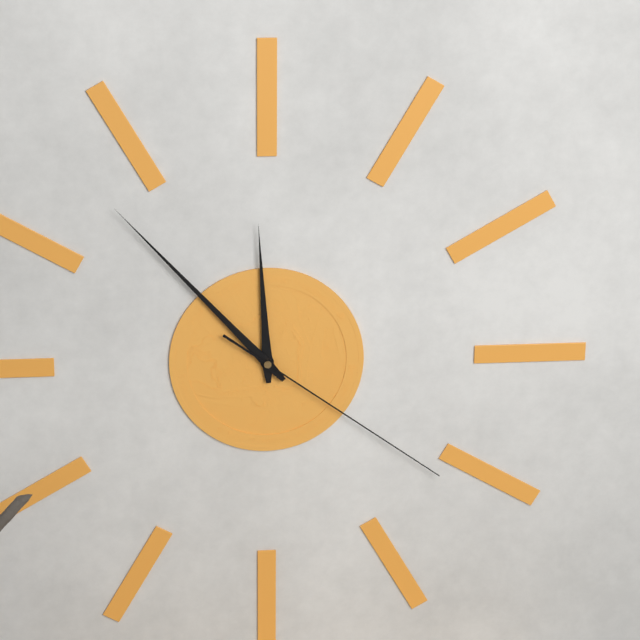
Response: 11:53:21
